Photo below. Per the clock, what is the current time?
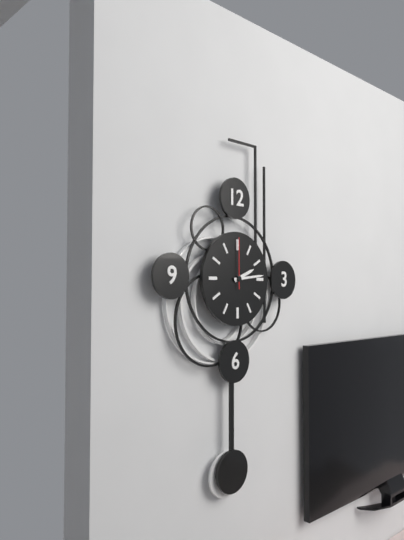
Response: 2:14:00
